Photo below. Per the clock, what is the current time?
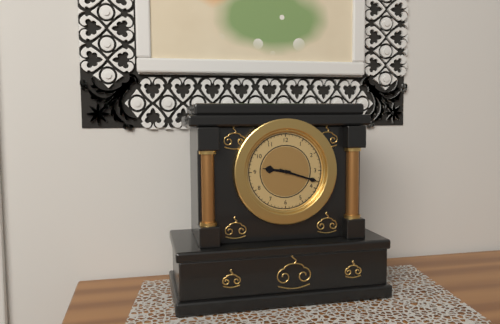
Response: 9:18
